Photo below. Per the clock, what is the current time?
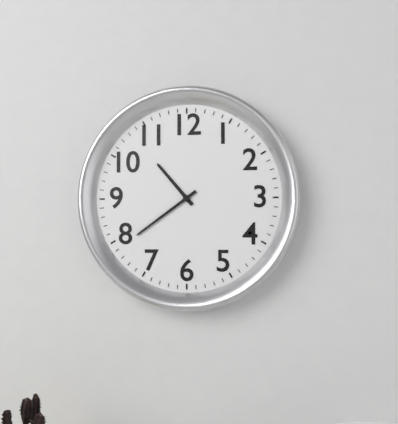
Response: 10:39
